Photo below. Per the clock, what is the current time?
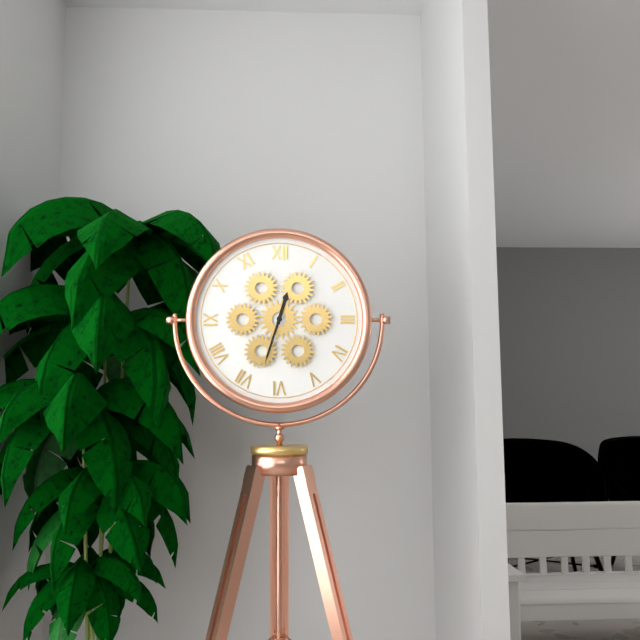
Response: 12:33
